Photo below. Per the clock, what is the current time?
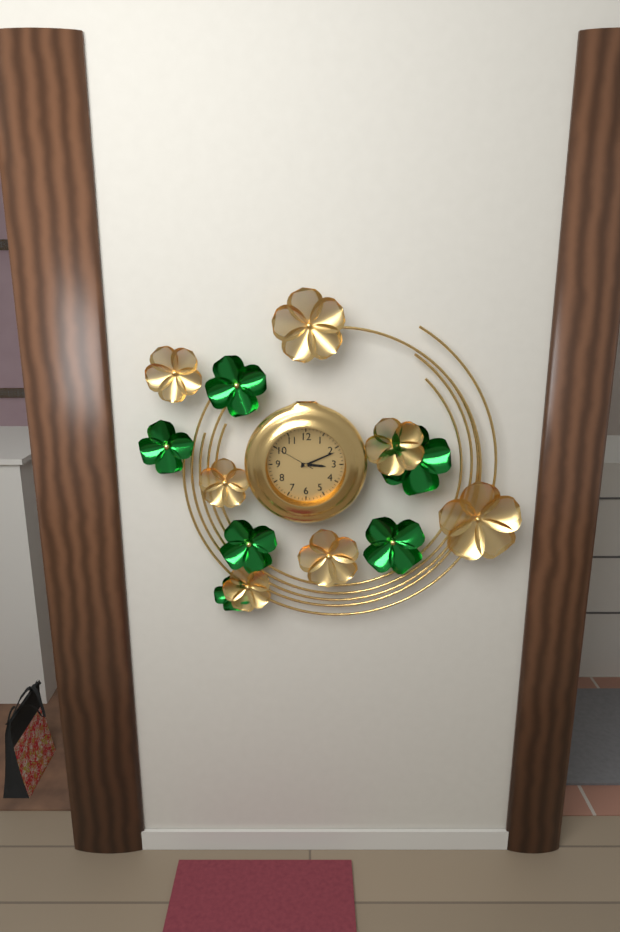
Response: 3:11
